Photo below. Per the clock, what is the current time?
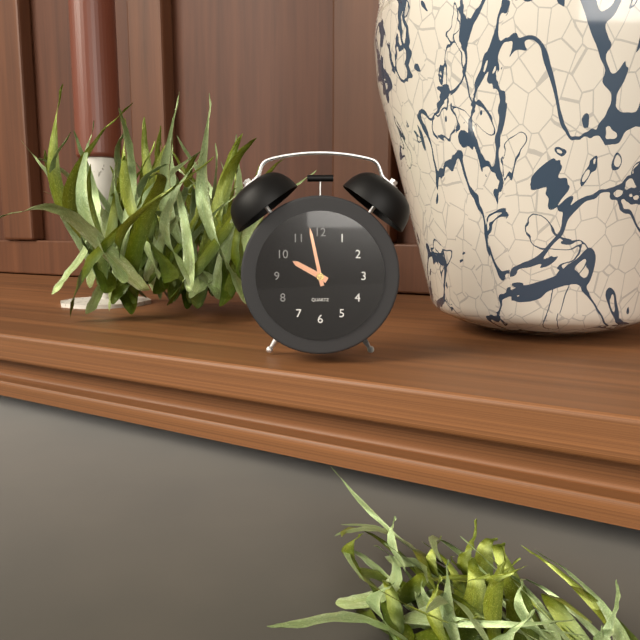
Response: 9:58
